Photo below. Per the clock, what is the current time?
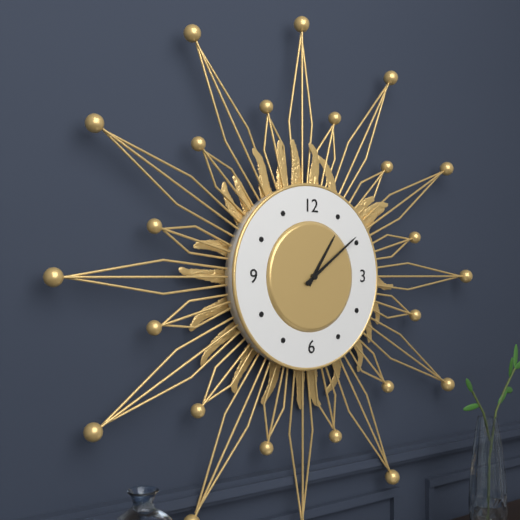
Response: 1:09
